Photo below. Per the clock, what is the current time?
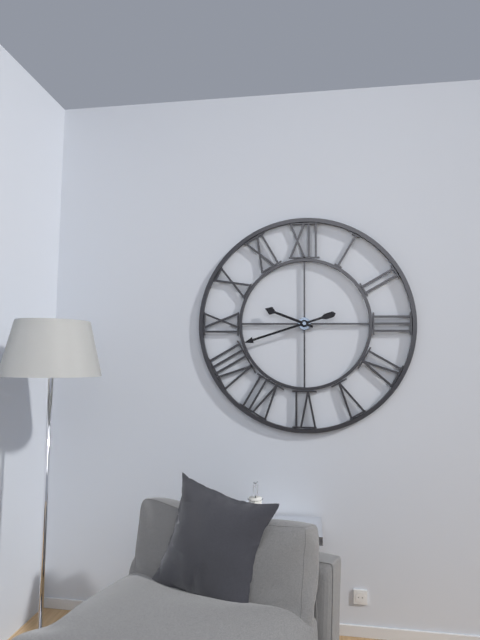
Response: 9:42
